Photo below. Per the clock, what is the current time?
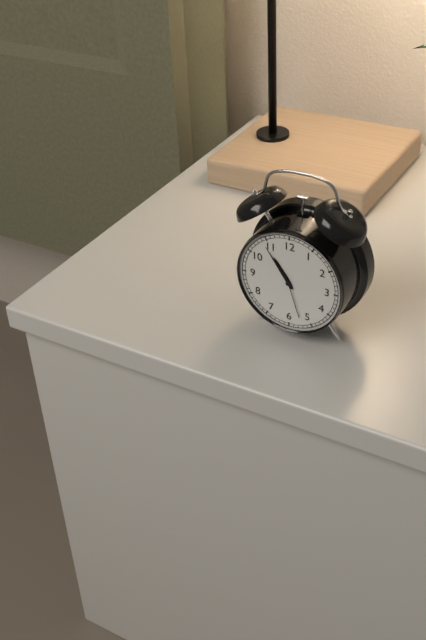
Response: 10:54
